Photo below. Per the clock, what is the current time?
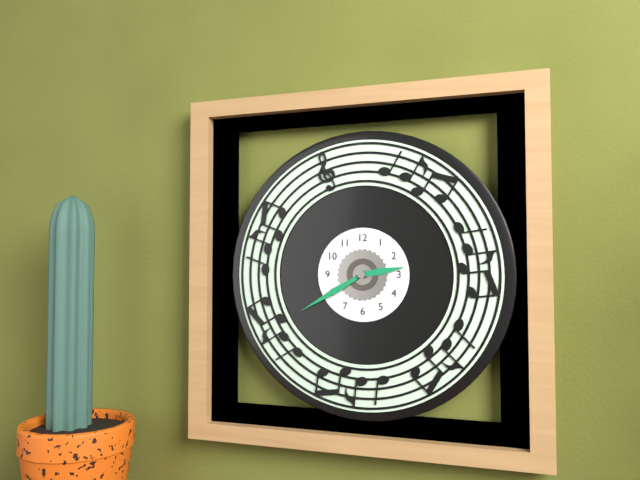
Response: 2:40
